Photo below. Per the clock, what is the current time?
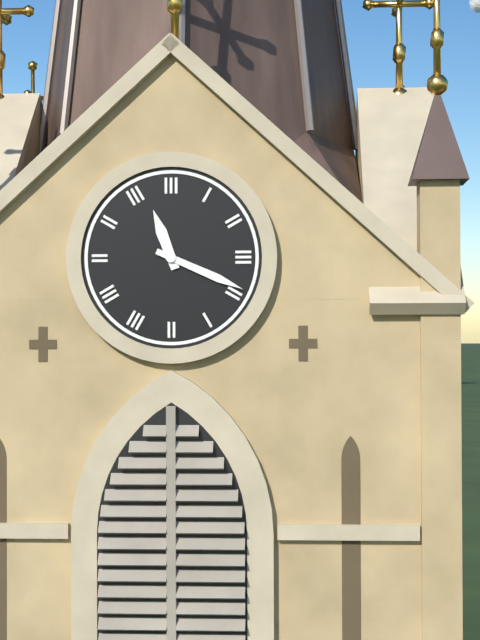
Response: 11:19
